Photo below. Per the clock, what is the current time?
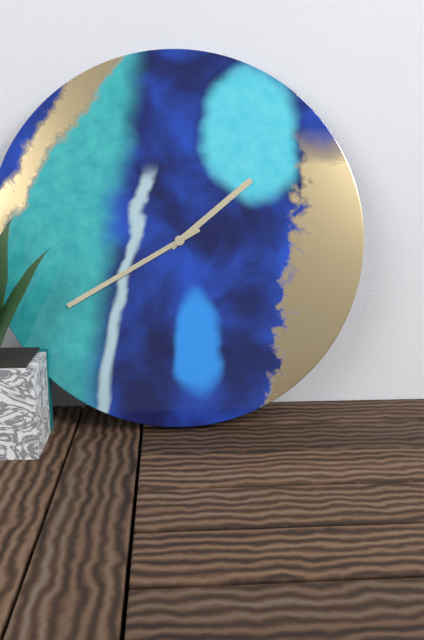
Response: 1:40
